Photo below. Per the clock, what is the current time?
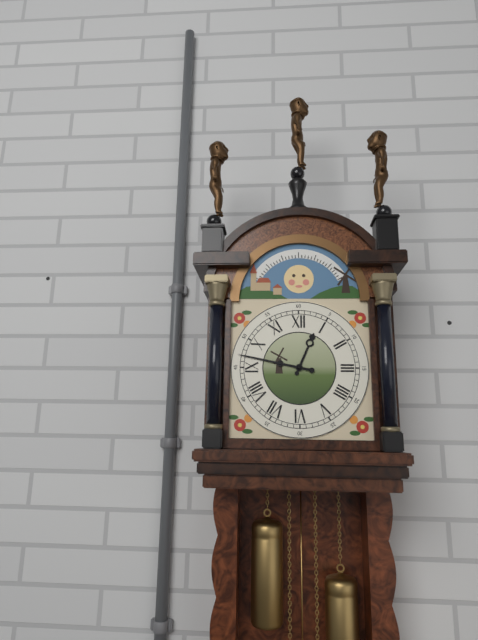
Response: 12:47
